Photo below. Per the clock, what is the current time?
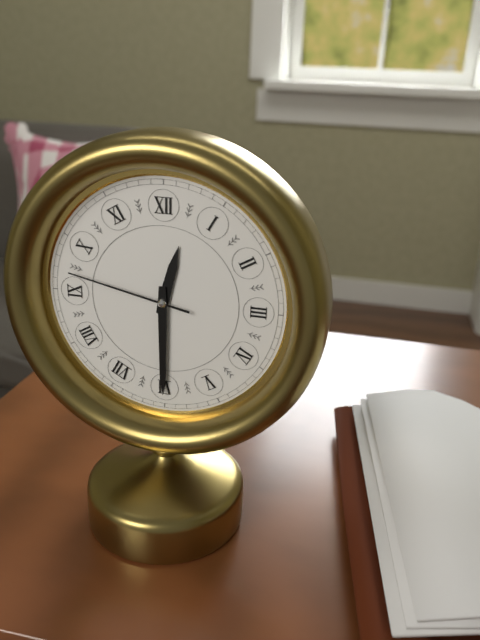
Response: 12:30:47
